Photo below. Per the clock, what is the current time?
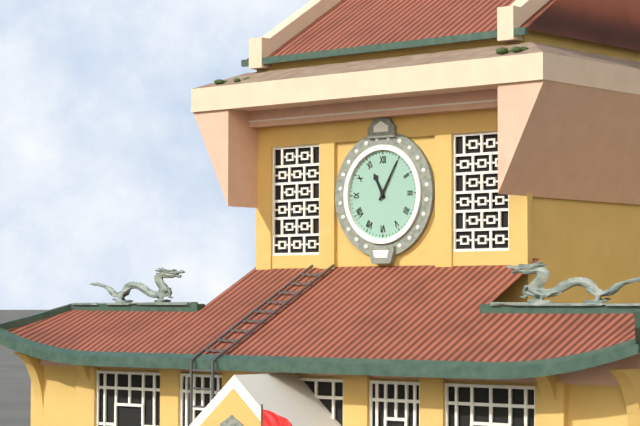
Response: 11:05
